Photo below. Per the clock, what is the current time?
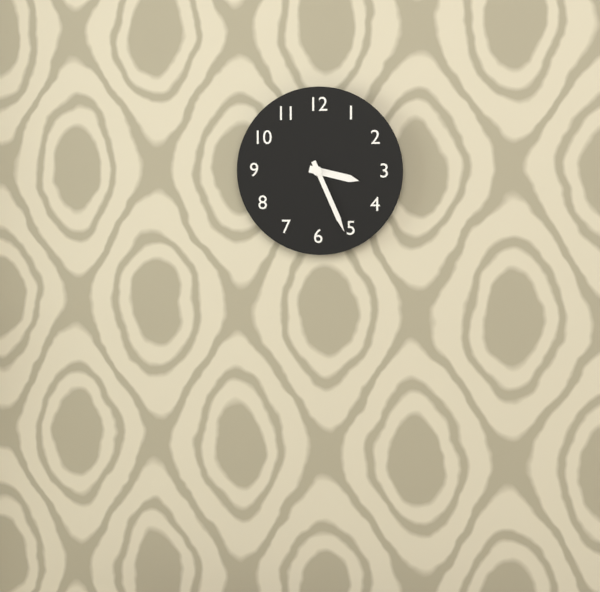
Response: 3:26
